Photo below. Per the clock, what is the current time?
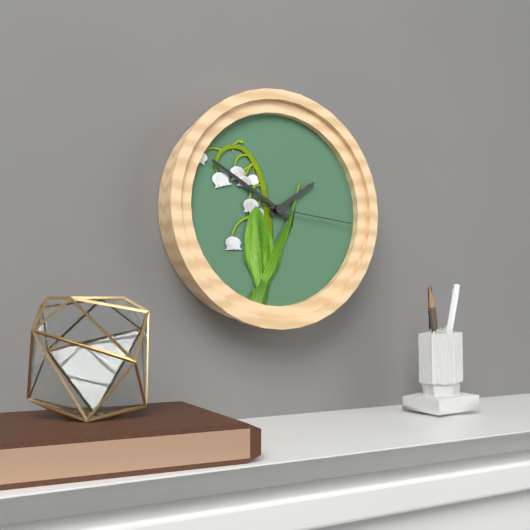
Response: 1:50:16
